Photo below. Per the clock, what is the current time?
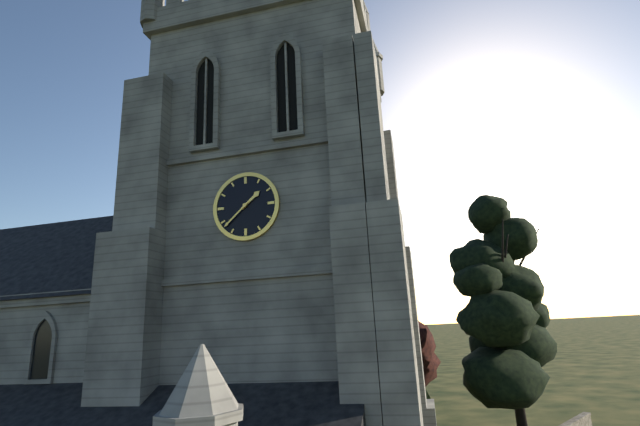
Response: 1:38
